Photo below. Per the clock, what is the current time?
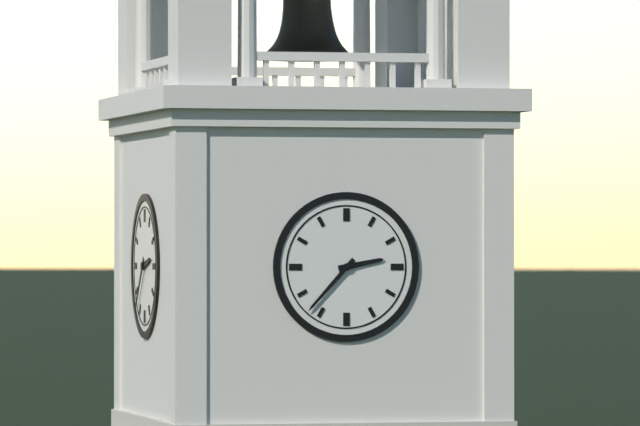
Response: 2:37
